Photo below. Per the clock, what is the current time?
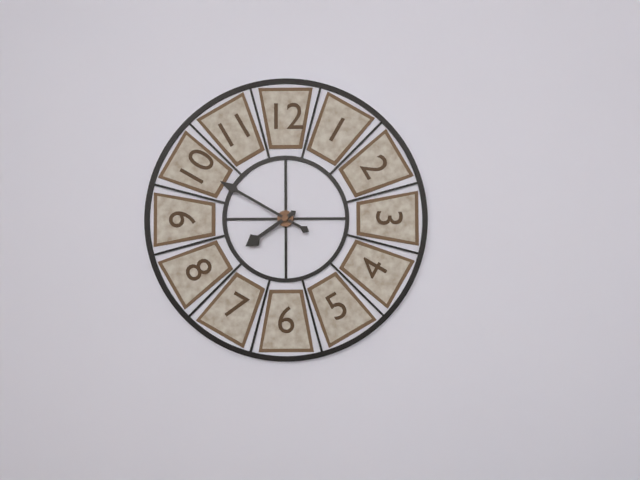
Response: 7:50
